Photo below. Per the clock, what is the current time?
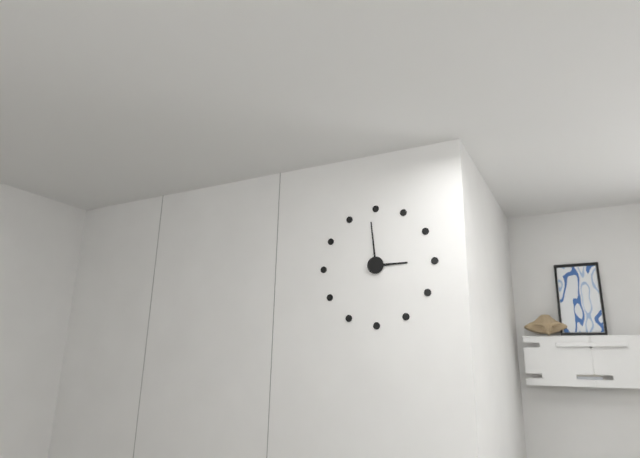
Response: 2:59
